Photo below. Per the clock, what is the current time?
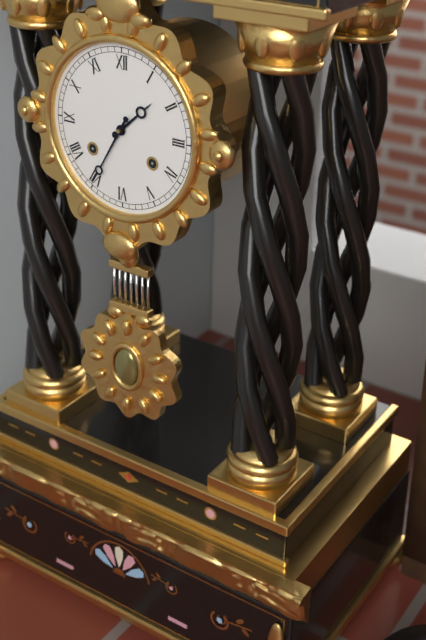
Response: 1:35
